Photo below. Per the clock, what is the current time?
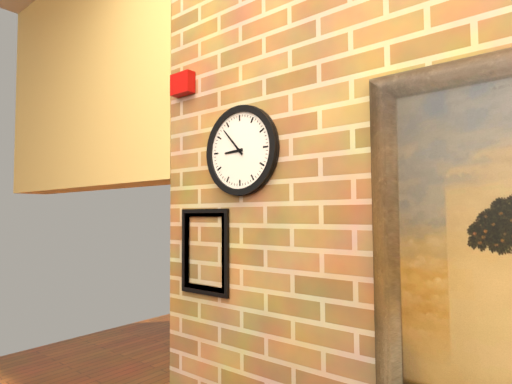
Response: 8:53
